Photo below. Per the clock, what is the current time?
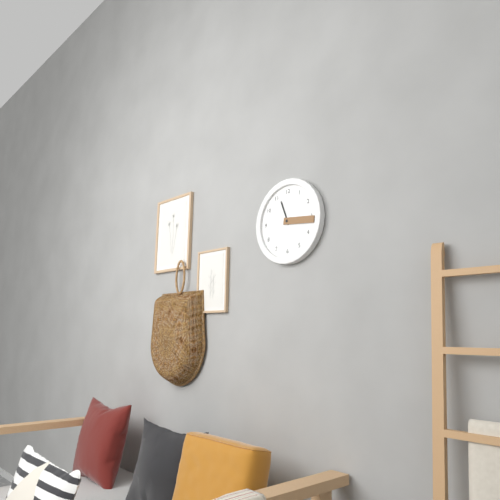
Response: 11:16
